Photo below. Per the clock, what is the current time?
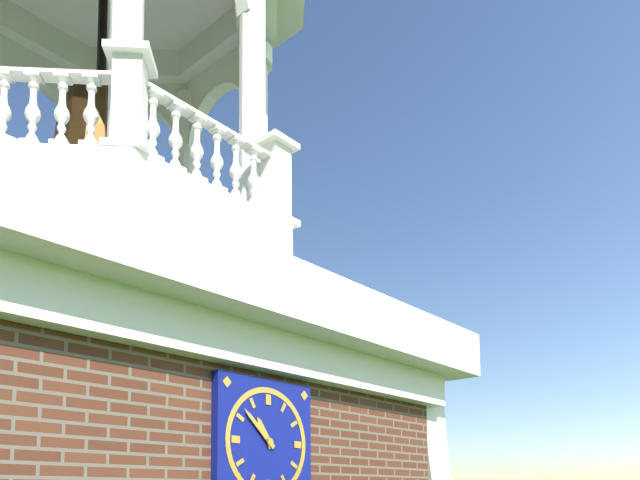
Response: 10:52
